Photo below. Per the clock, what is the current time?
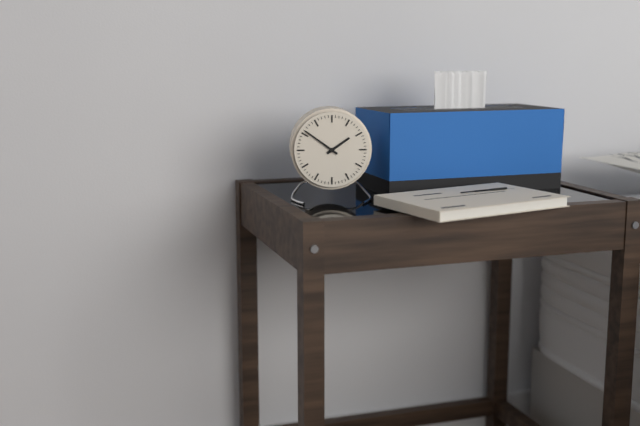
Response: 1:51
